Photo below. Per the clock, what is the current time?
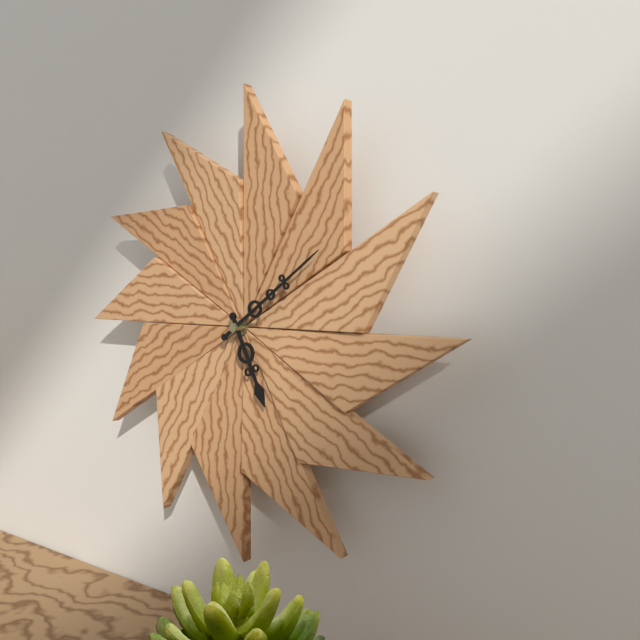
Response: 5:09
